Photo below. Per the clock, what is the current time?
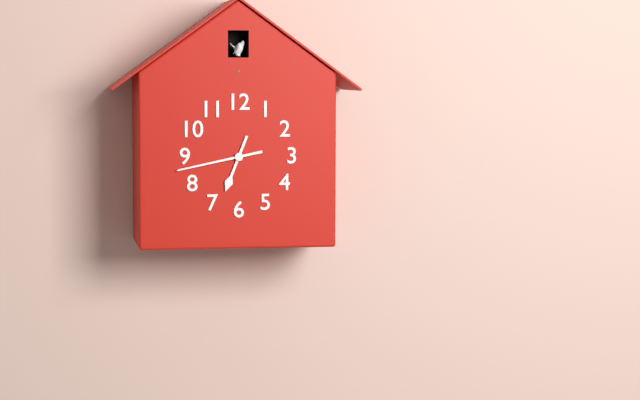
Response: 6:43
